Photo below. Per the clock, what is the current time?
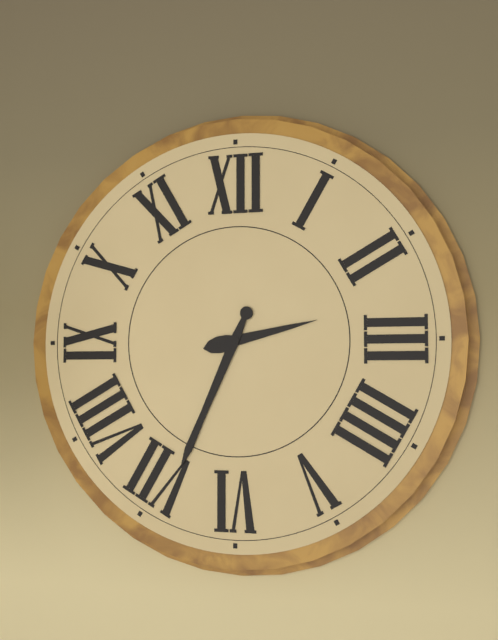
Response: 2:34
